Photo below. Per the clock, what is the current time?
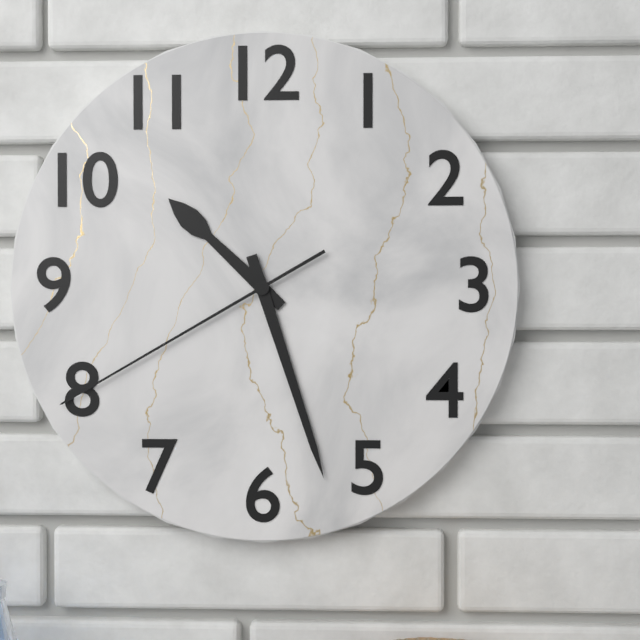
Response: 10:27:40
